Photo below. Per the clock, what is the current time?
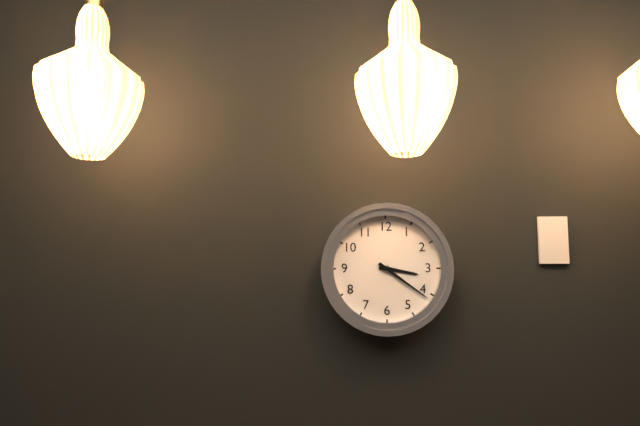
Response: 3:21
